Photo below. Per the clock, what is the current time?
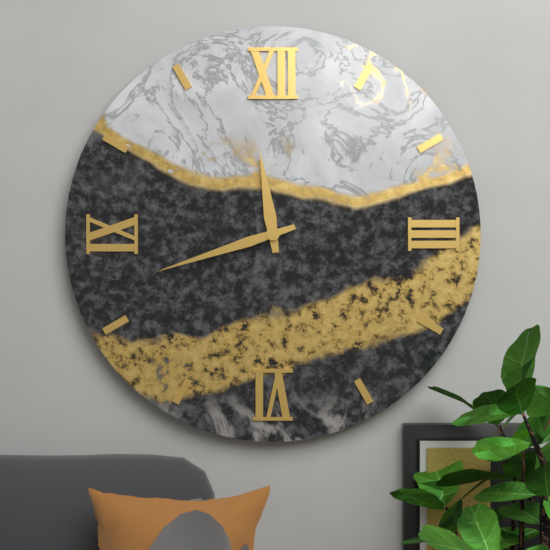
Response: 11:42
